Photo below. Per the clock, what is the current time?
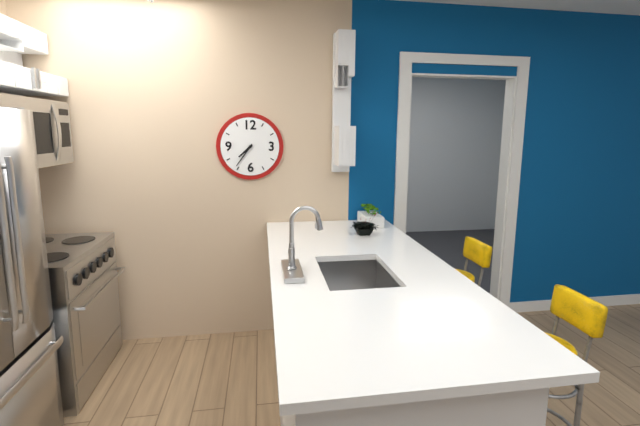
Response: 7:36
